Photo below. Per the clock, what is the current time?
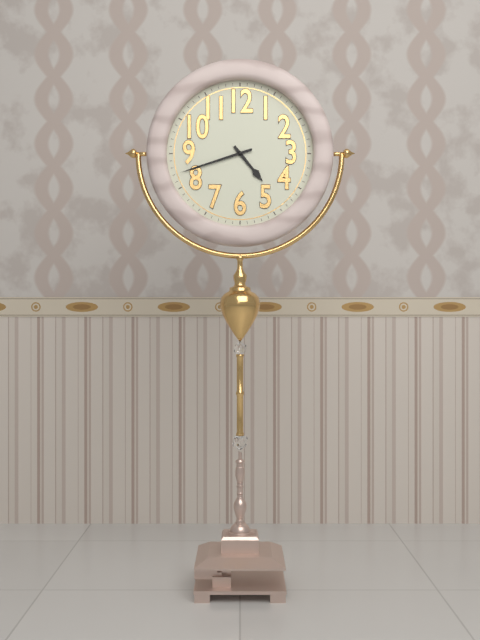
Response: 4:42
